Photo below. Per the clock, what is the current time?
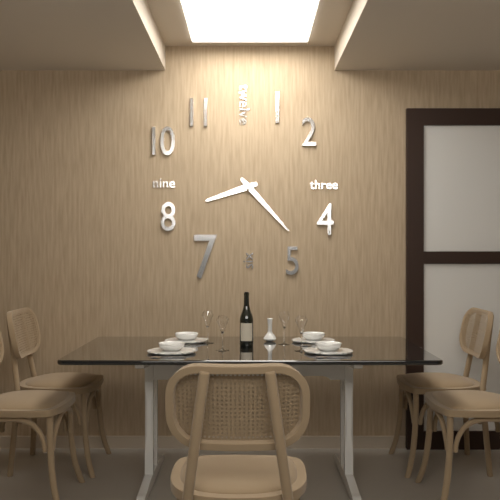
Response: 8:23
